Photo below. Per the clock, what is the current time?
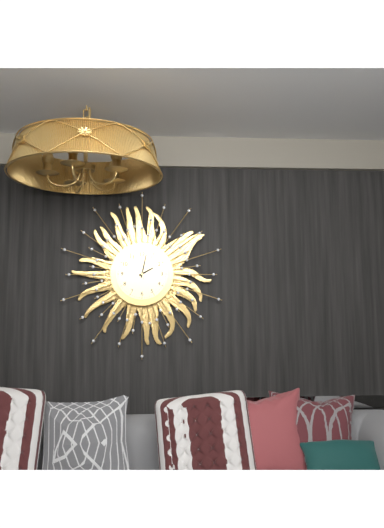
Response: 2:02
